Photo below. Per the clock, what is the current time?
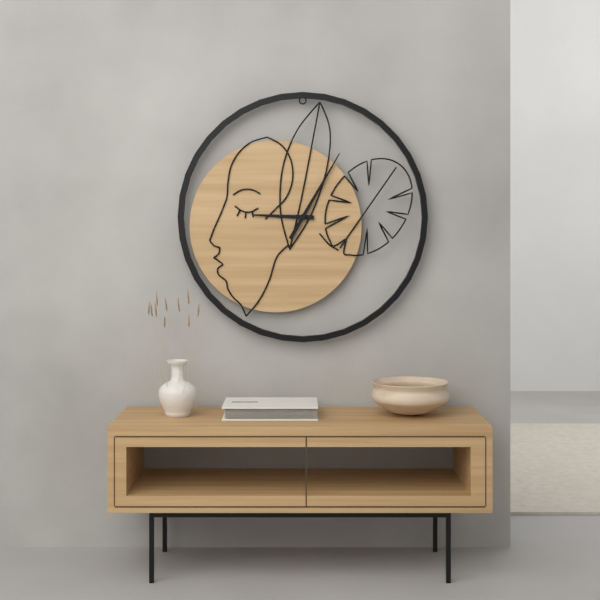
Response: 9:05
